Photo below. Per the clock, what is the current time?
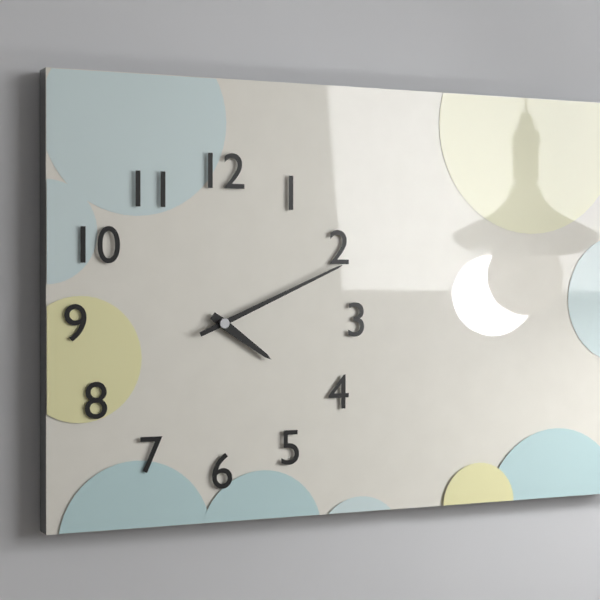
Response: 4:11
